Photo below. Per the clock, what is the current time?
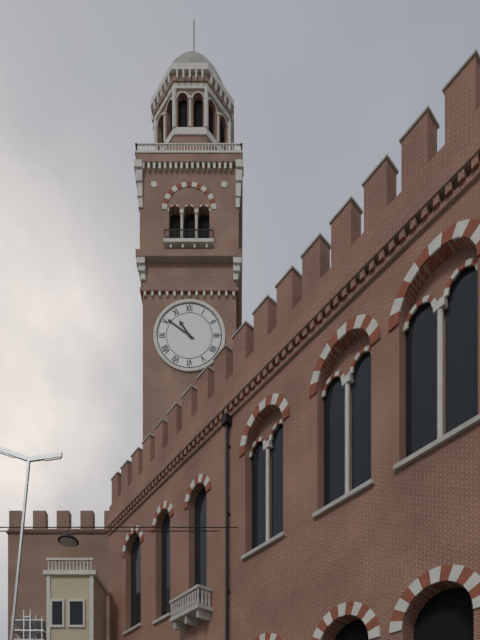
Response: 10:51
